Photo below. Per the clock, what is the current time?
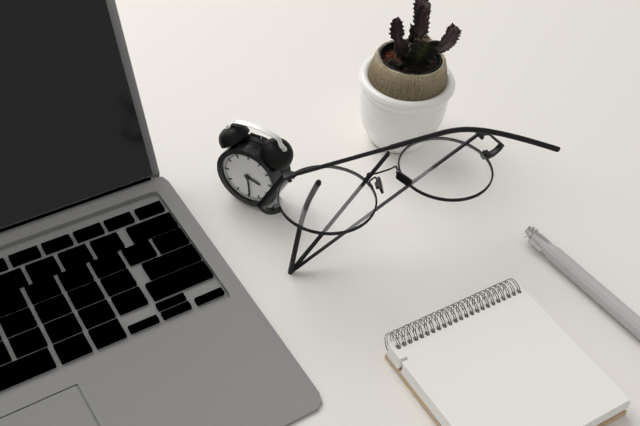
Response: 3:29
